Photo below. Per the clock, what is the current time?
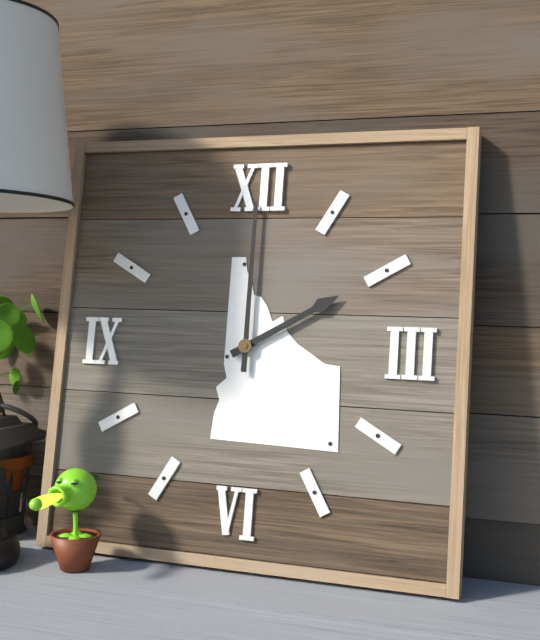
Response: 2:00
